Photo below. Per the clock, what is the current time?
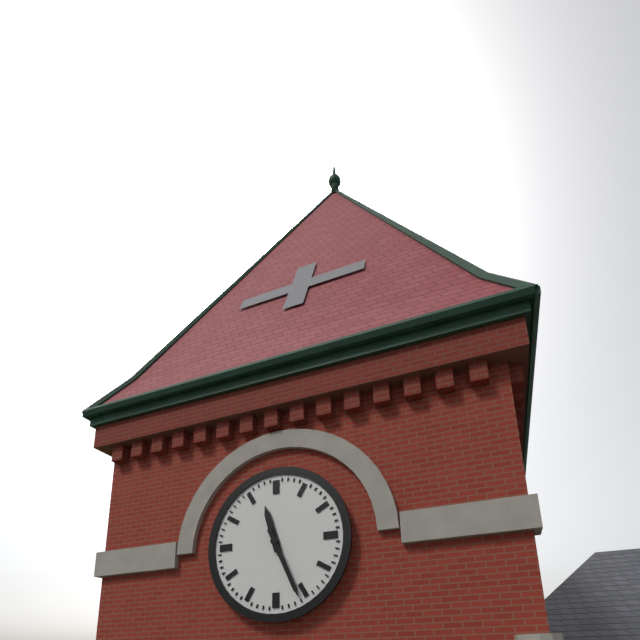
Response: 11:26
